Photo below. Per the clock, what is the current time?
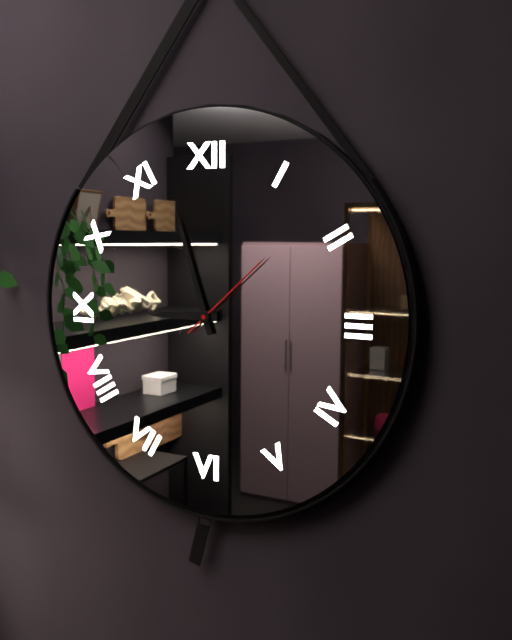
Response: 8:57:08
